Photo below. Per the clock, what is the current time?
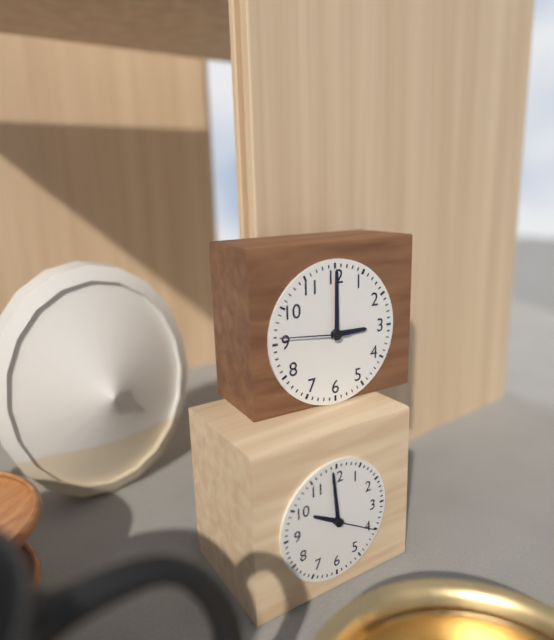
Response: 3:00:46
